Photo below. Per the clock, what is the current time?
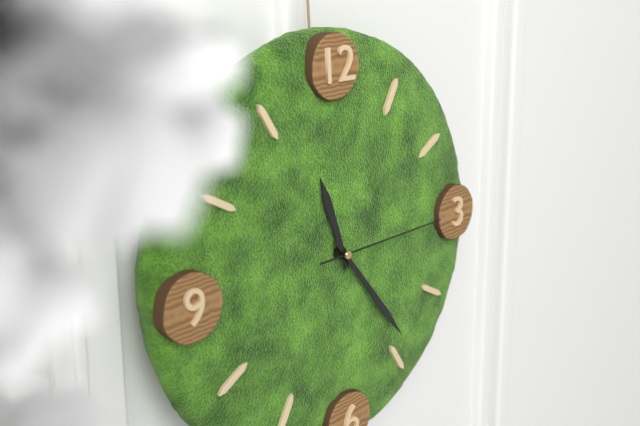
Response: 11:24:15
